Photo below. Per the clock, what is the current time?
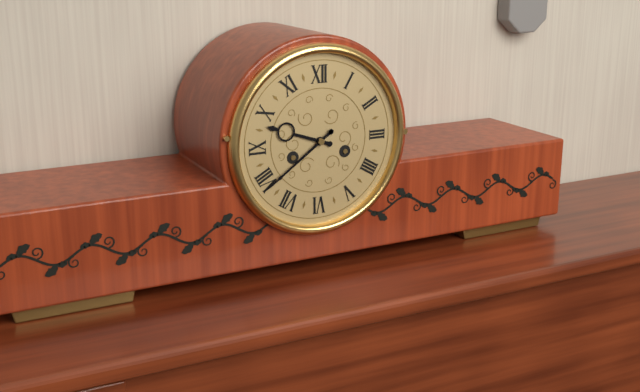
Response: 9:39
